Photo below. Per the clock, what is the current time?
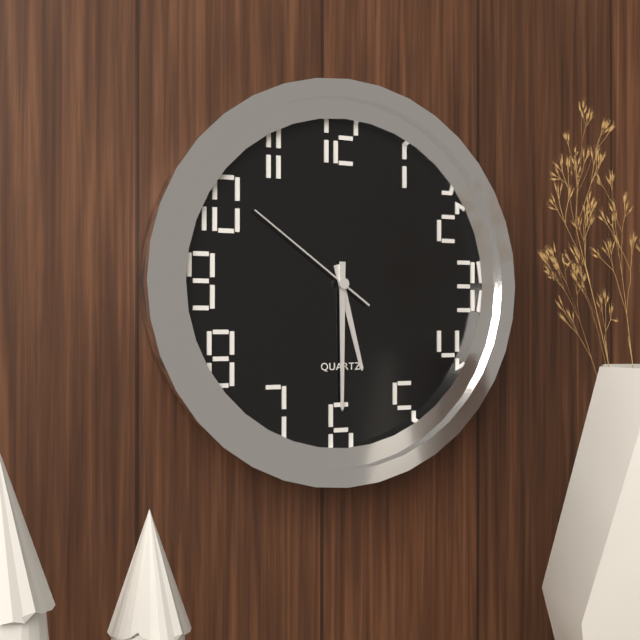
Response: 5:30:51
